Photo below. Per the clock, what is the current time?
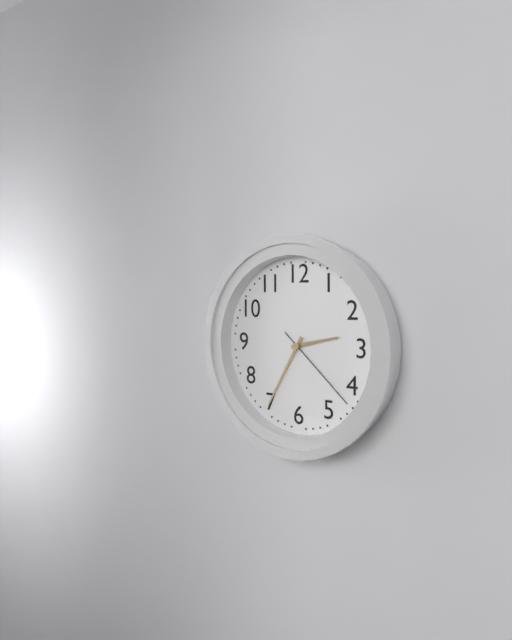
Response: 2:35:22
